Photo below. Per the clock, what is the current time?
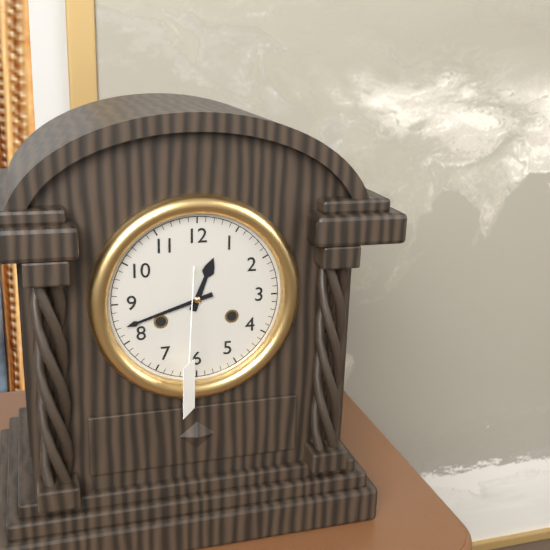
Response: 12:42
